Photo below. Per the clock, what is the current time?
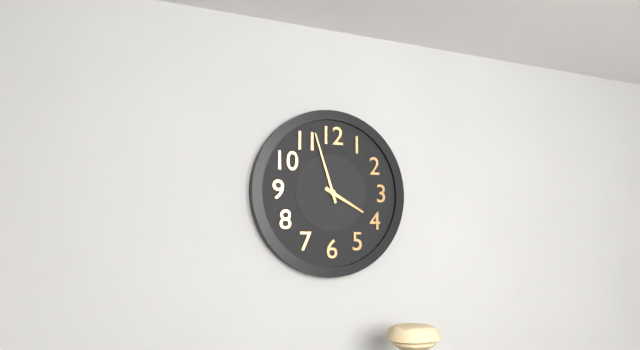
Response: 3:57
